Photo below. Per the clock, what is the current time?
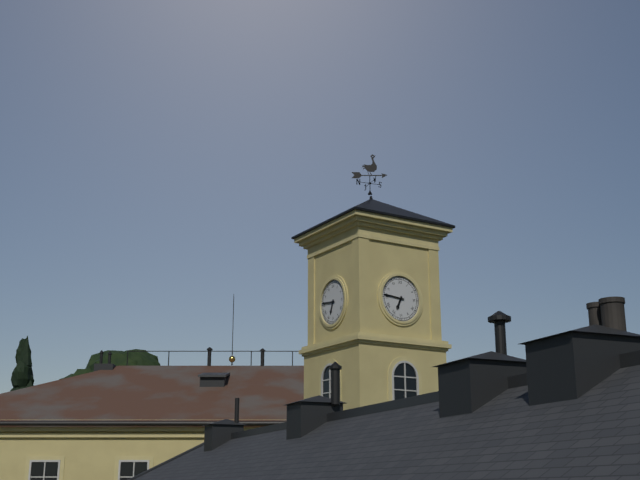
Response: 6:46
